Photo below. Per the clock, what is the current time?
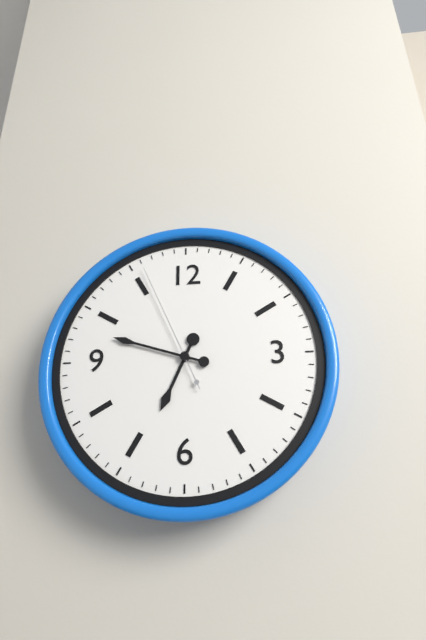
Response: 6:48:56
